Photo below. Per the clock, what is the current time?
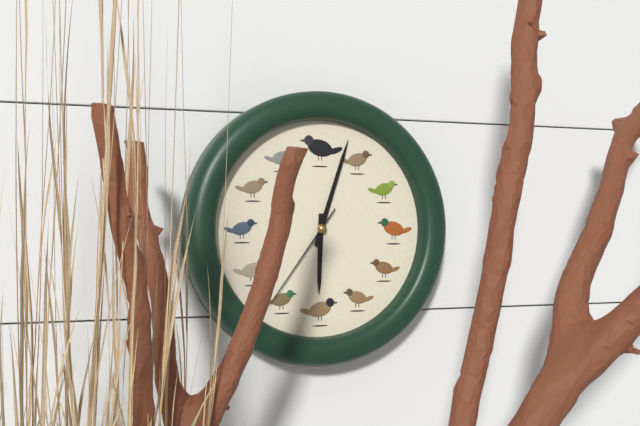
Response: 6:03:36
